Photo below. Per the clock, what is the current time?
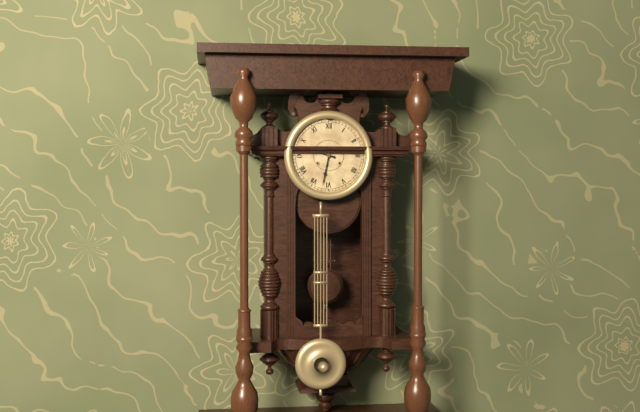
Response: 9:32
